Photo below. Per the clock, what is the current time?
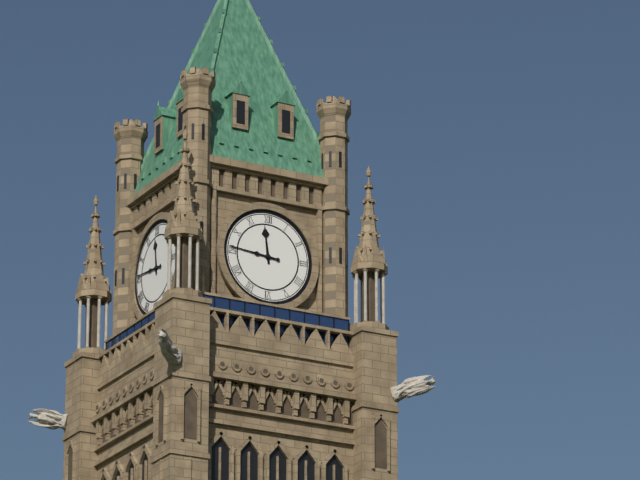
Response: 11:46
